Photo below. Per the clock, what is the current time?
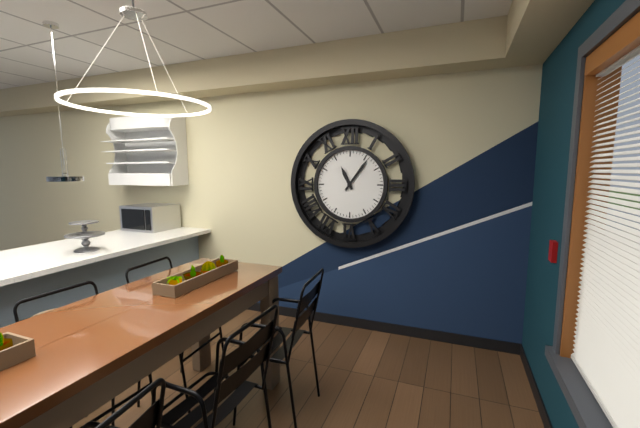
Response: 11:06
